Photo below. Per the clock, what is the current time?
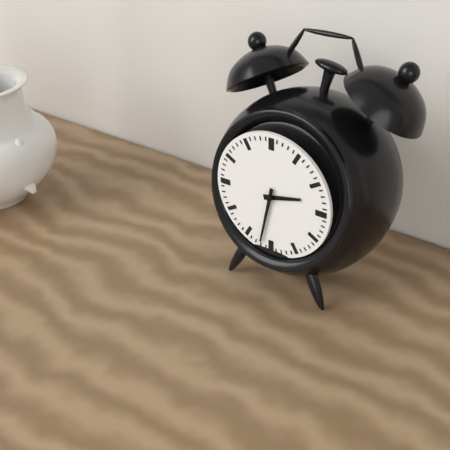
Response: 2:32
